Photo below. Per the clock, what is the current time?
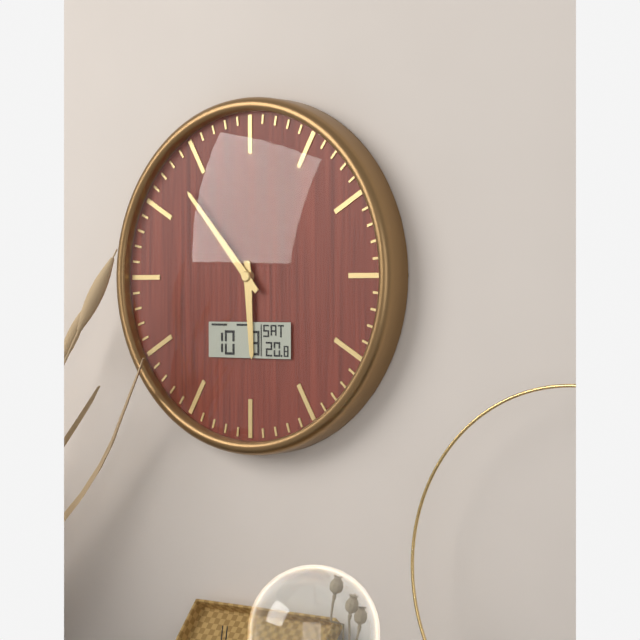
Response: 5:53
